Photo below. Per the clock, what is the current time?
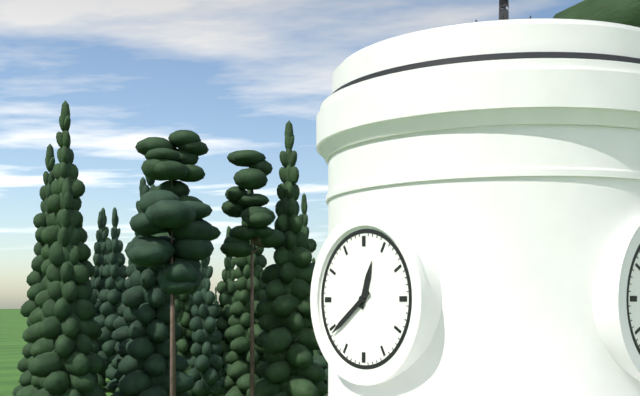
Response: 12:39
